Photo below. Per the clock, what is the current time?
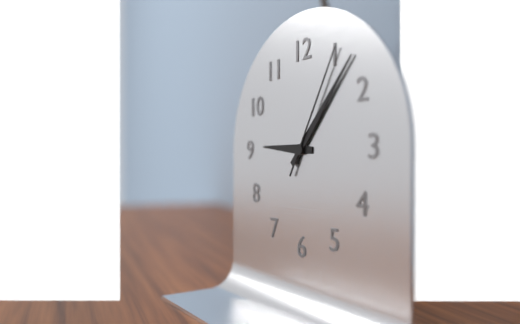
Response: 9:07:05
